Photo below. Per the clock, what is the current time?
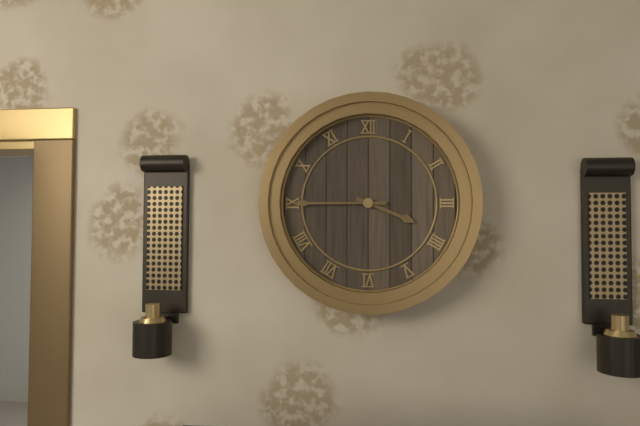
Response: 3:45
